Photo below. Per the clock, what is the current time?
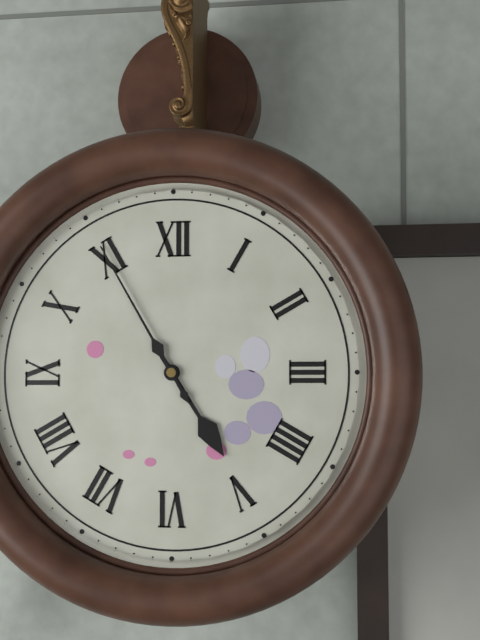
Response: 4:55
